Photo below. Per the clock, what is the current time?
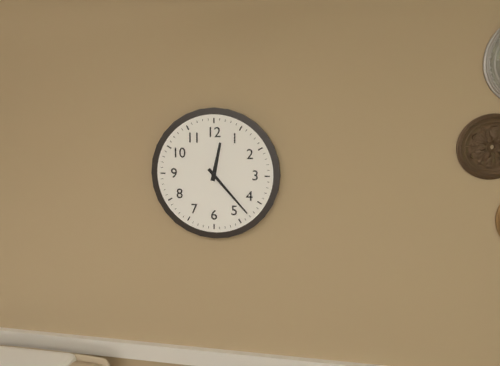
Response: 12:23
